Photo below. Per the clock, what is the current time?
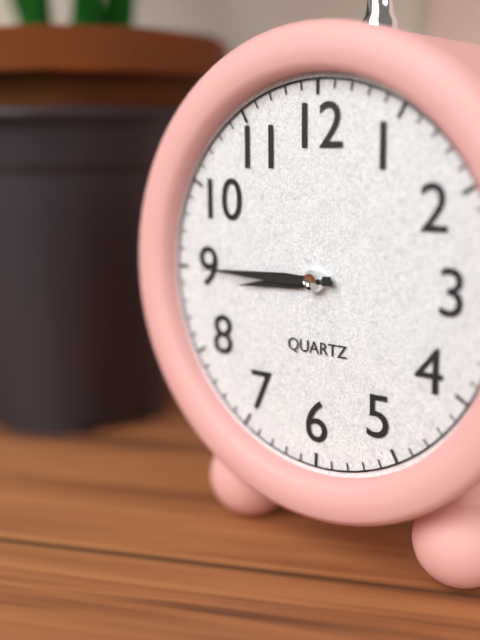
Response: 8:45
